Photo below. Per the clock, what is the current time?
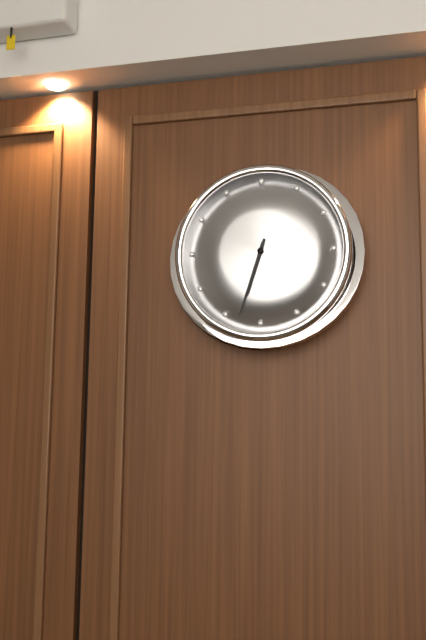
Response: 6:33
